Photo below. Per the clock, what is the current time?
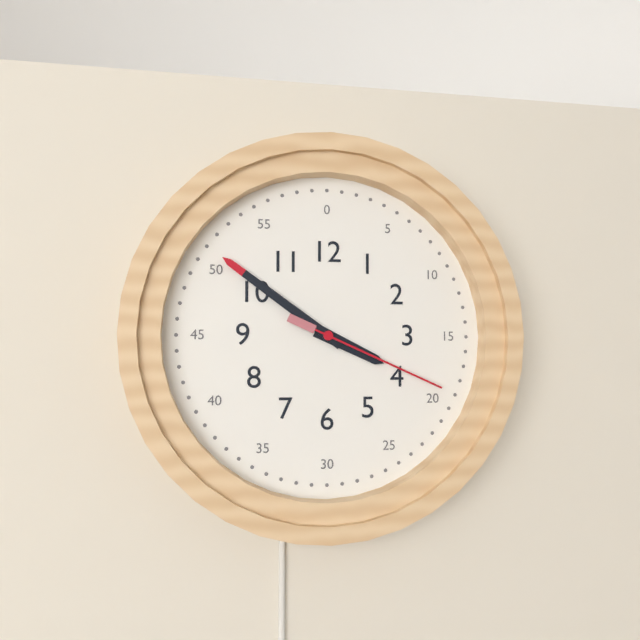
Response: 3:51:19
